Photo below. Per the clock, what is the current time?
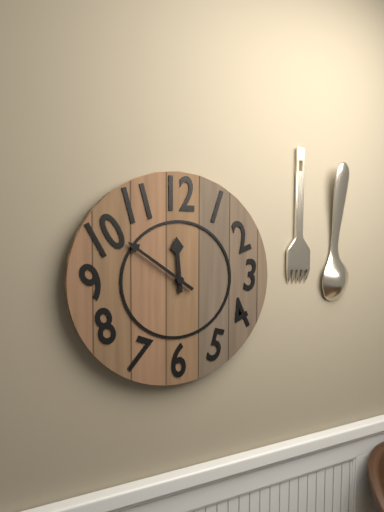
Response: 11:51
